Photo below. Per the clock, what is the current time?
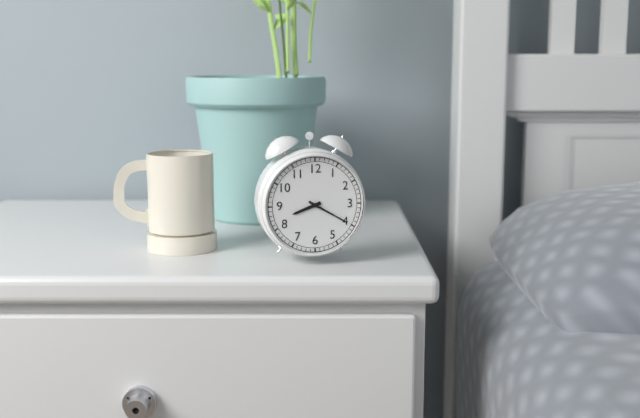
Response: 8:20
